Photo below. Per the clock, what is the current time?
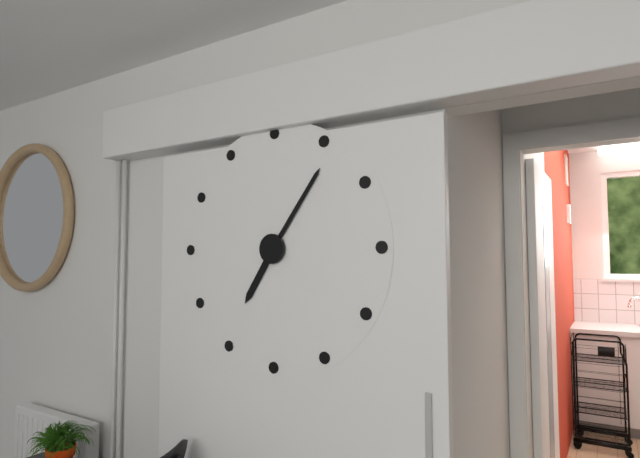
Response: 7:06
